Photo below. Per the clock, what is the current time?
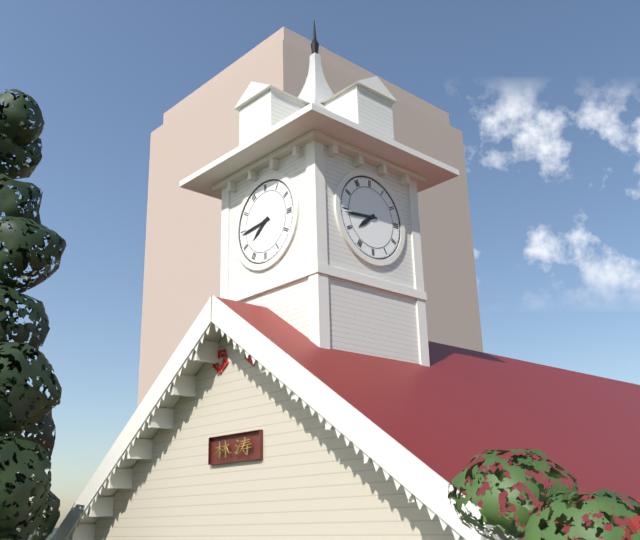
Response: 7:44
